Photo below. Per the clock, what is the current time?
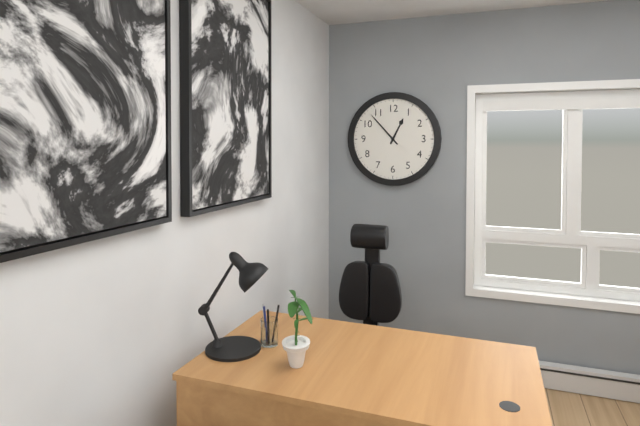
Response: 12:53
